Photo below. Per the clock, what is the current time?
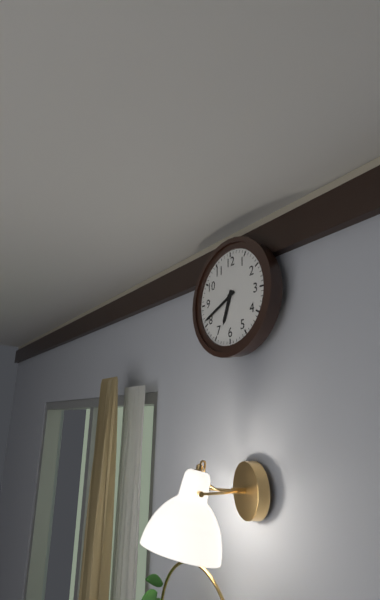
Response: 6:41
